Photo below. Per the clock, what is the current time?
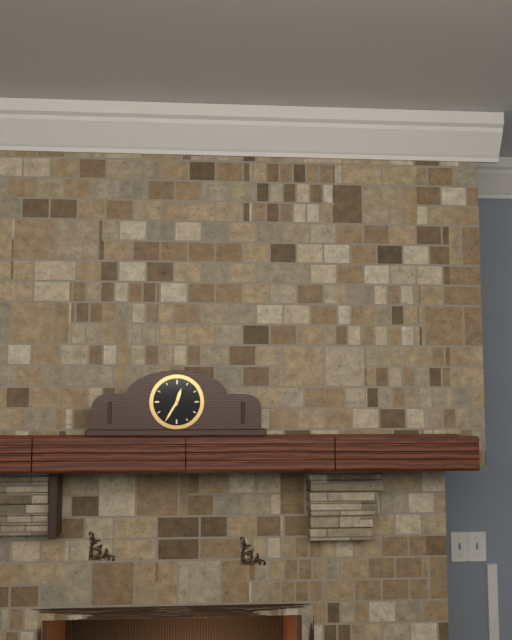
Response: 12:35
